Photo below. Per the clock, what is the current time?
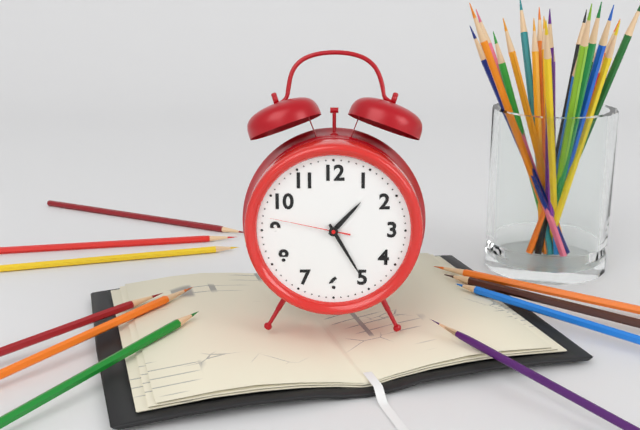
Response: 1:25:47
